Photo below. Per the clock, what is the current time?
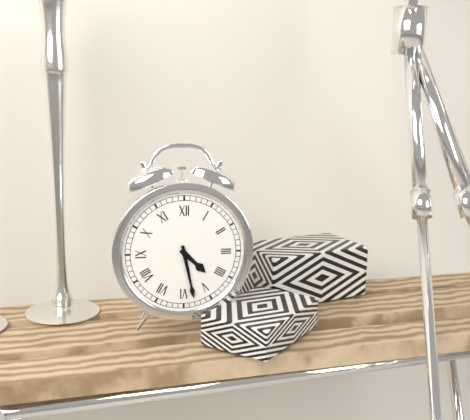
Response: 4:28
